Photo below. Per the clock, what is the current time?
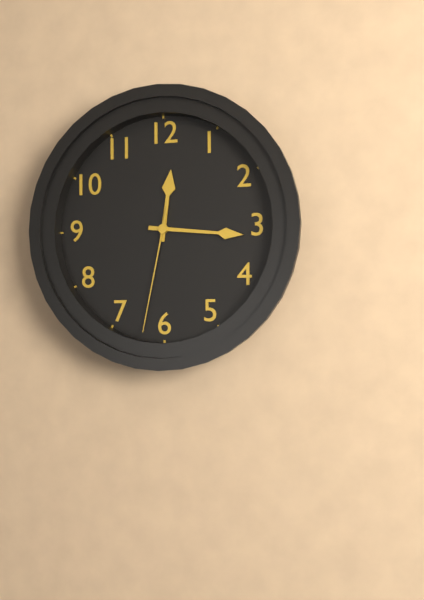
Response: 12:16:32
